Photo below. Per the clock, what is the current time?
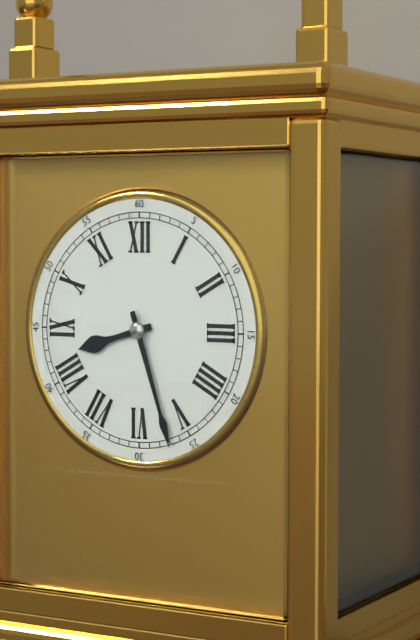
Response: 8:27
